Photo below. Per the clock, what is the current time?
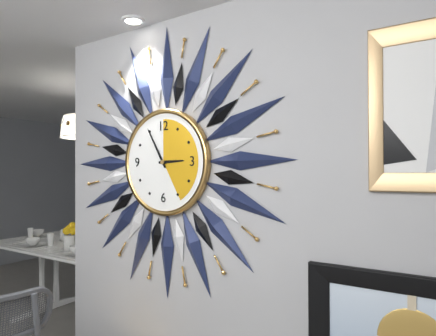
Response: 2:55
